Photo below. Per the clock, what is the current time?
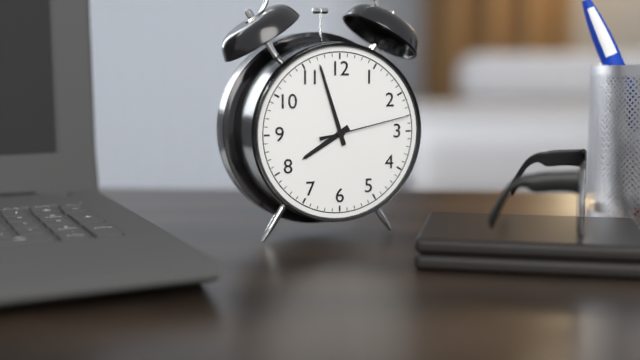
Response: 7:57:13
